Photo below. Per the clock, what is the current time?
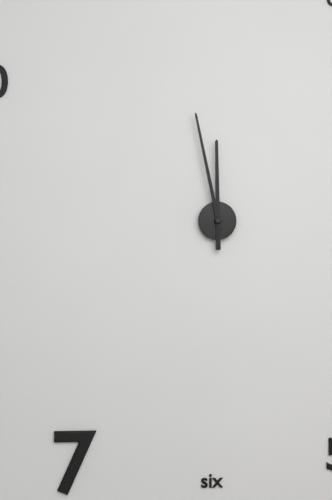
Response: 11:58
